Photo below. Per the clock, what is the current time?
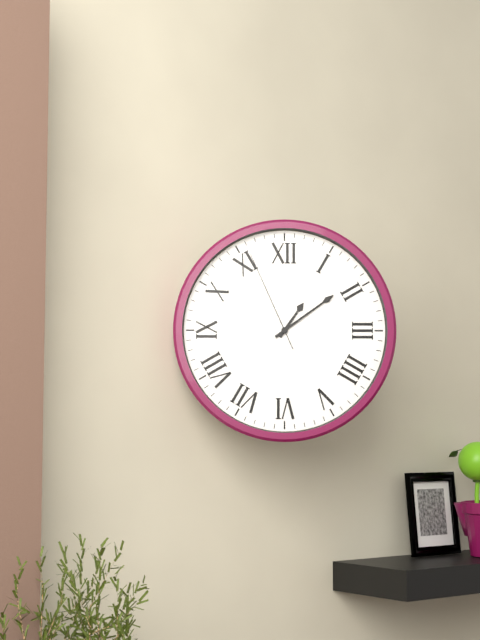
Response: 1:09:56
